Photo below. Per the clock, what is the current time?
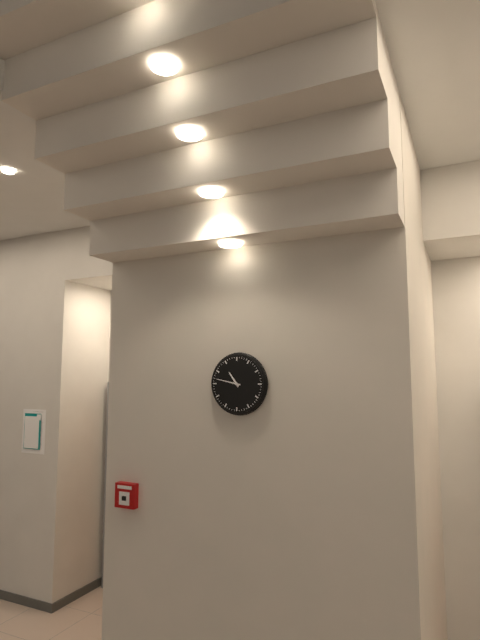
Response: 10:47
